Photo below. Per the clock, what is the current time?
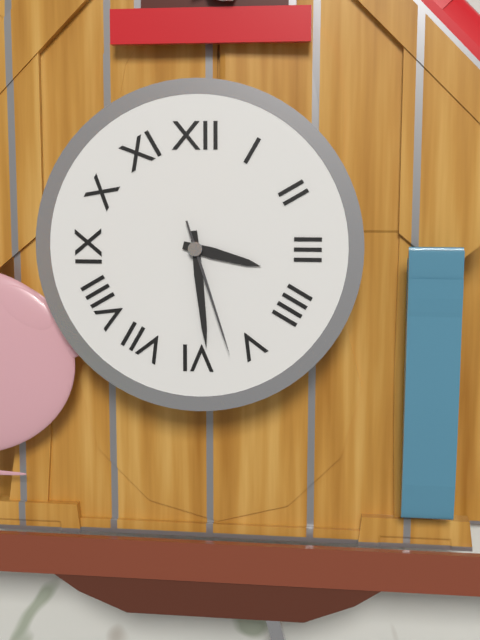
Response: 3:29:27
